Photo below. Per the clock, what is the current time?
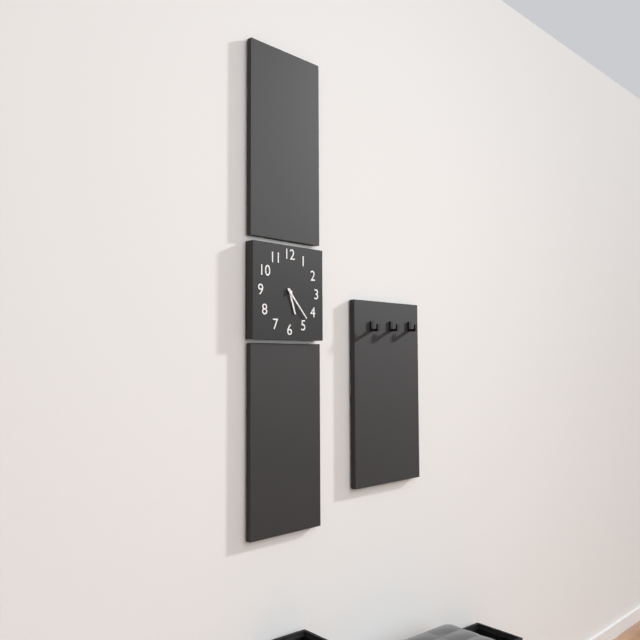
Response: 5:23
